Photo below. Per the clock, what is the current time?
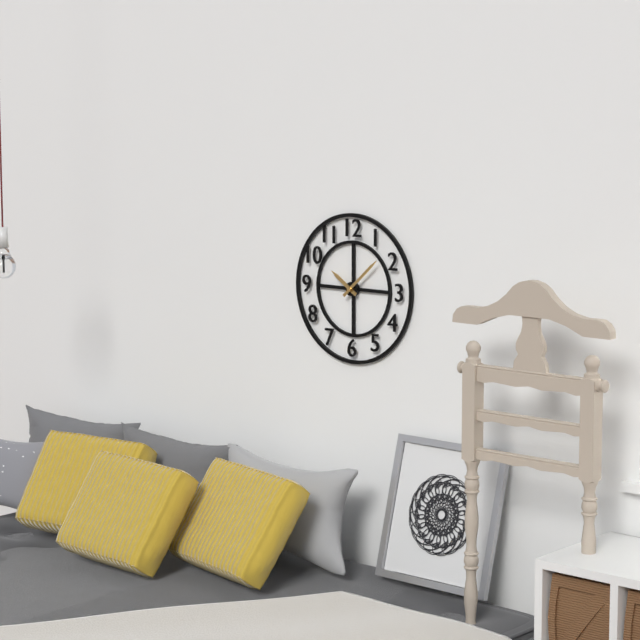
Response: 10:08
